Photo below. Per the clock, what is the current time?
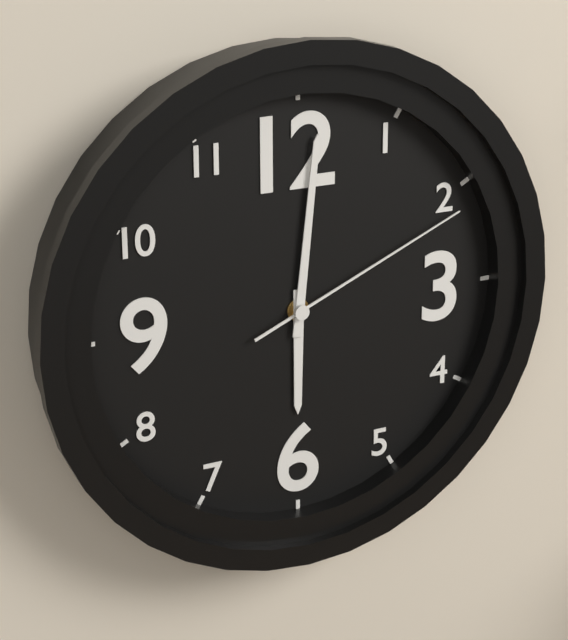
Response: 6:01:11
